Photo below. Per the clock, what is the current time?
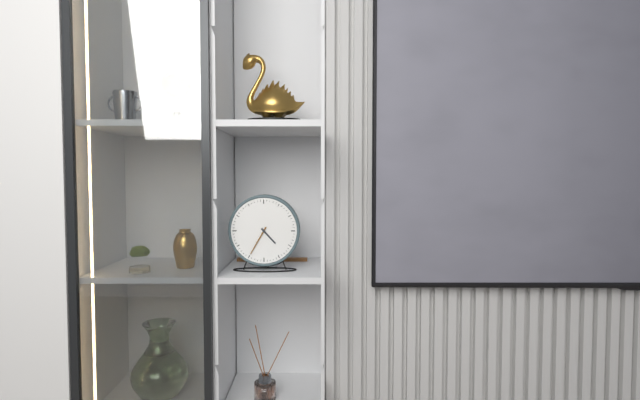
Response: 4:35
